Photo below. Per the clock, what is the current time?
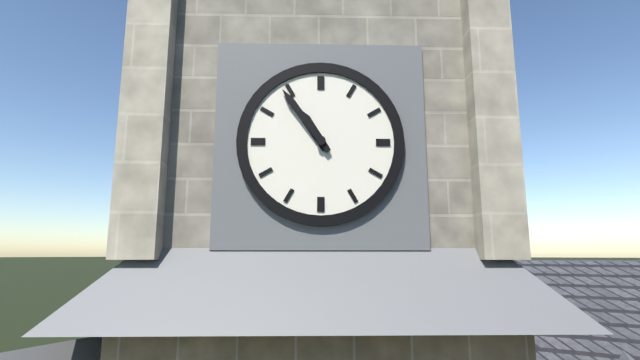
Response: 10:54
